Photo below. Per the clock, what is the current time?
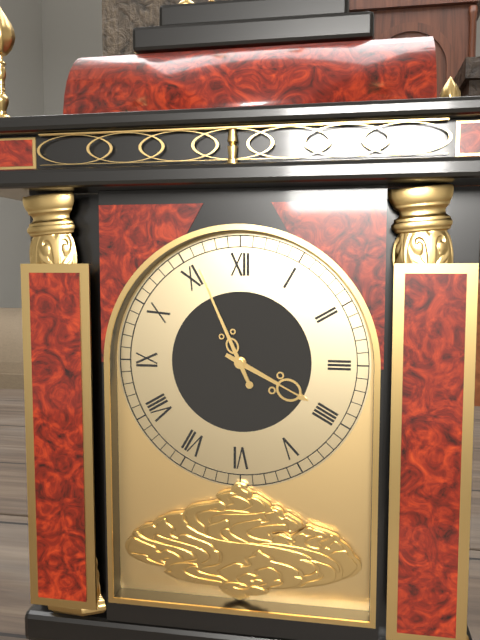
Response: 3:56
